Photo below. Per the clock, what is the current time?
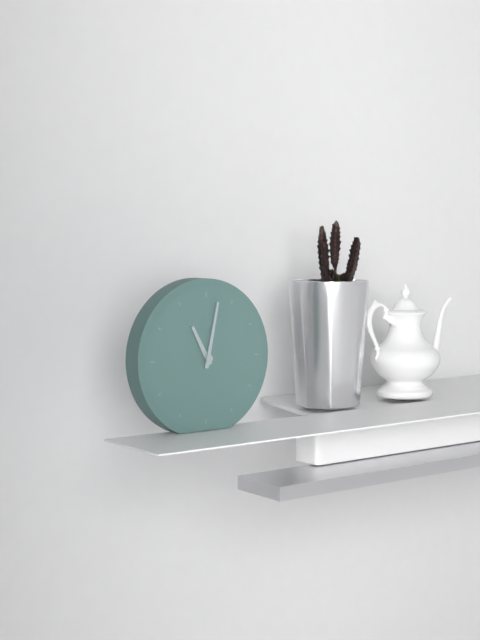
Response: 11:02
